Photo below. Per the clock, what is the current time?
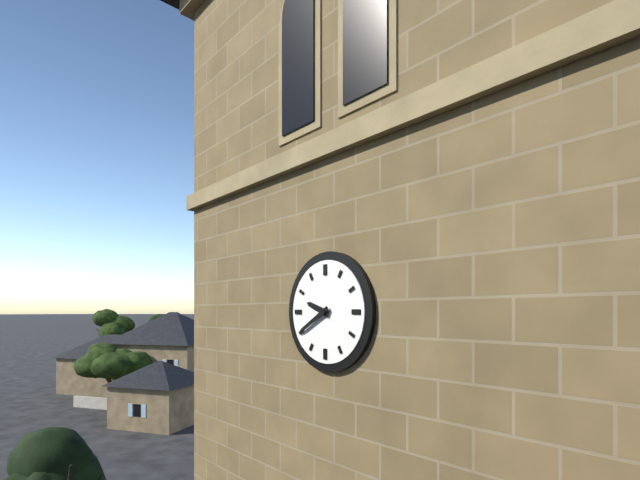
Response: 9:40
